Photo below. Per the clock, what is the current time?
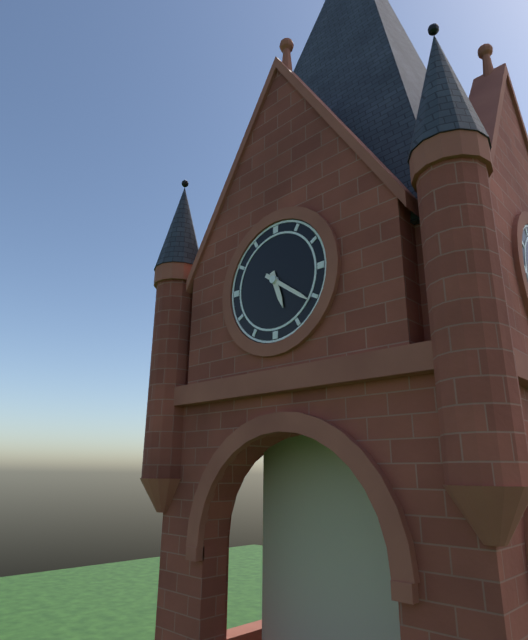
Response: 5:21
